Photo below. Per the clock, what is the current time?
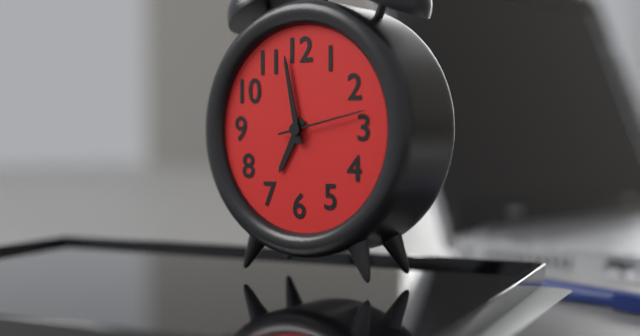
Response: 6:58:13
